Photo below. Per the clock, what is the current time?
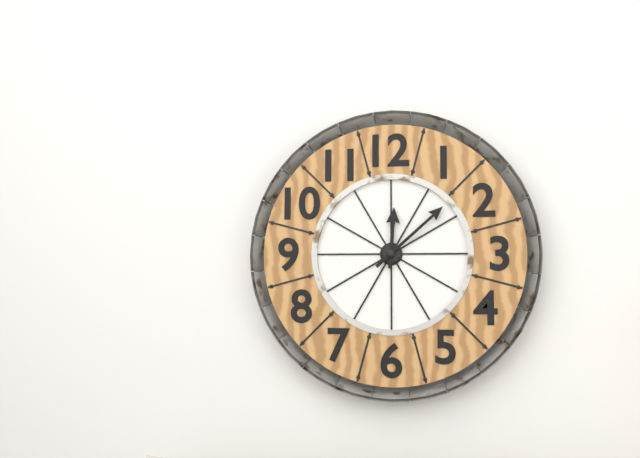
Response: 12:08
